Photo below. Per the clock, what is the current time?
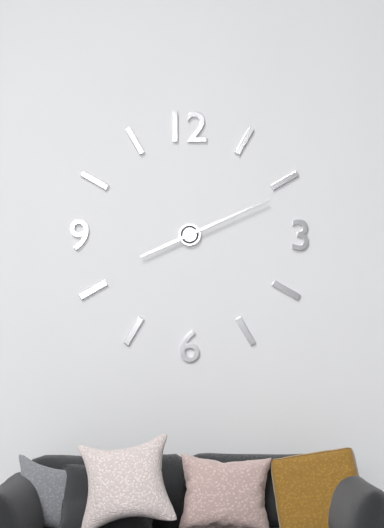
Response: 8:11
